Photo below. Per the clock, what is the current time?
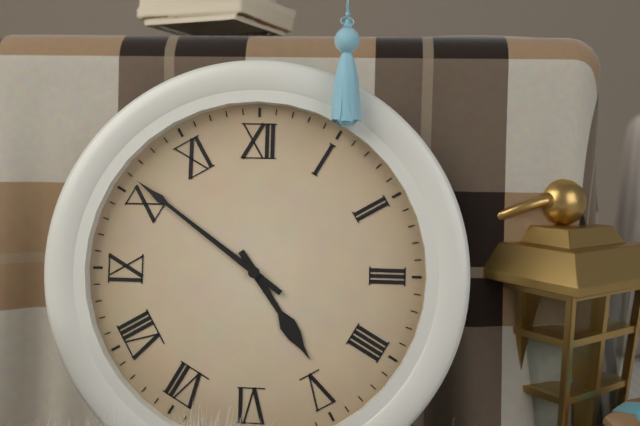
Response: 4:51
